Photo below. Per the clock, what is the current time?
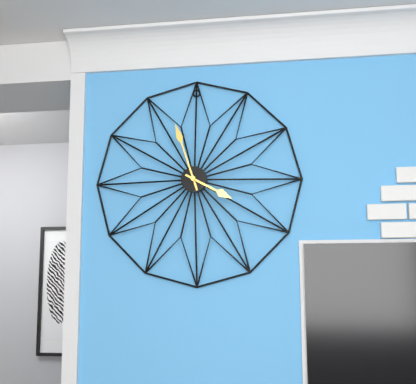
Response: 3:57
